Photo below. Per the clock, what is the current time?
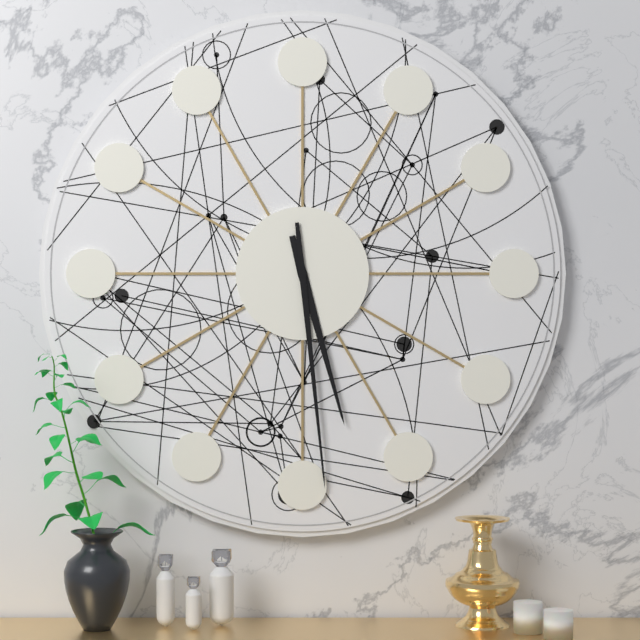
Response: 5:29
